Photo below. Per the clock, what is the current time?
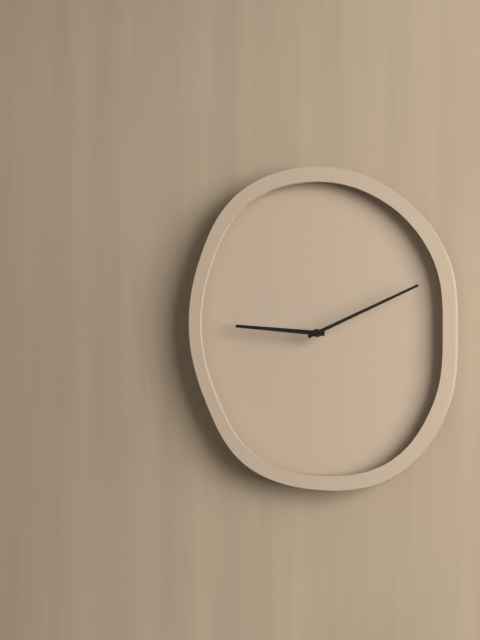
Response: 9:11
